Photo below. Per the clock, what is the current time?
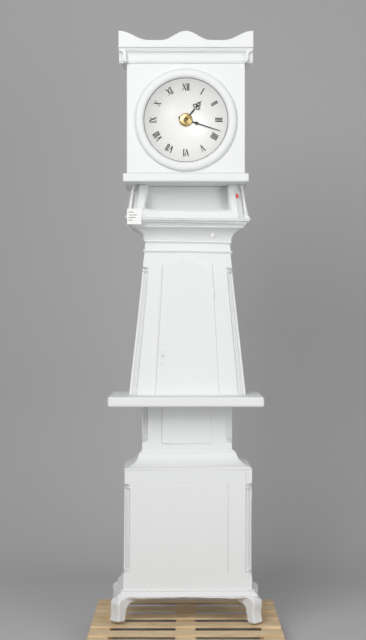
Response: 1:18
